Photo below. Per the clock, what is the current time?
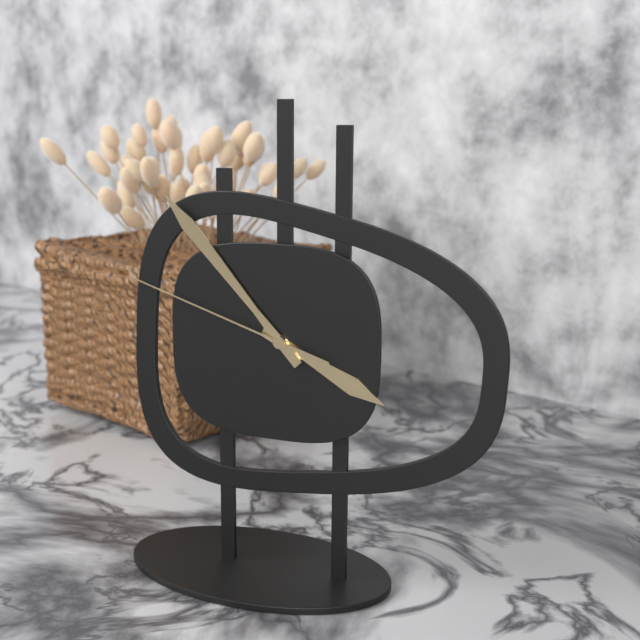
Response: 3:53:48
